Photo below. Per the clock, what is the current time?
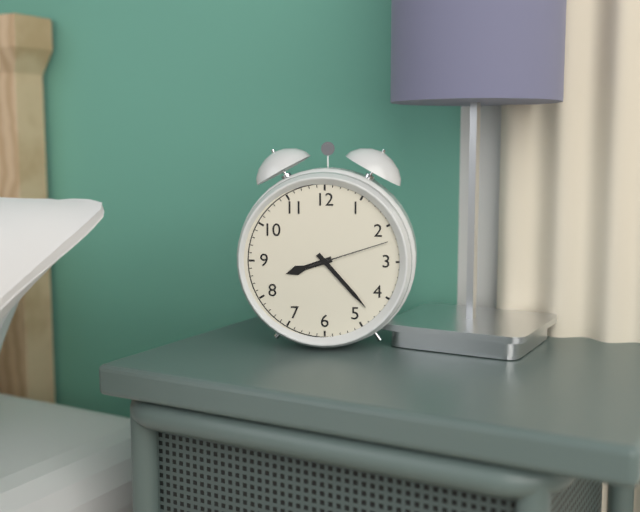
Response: 8:23:12
